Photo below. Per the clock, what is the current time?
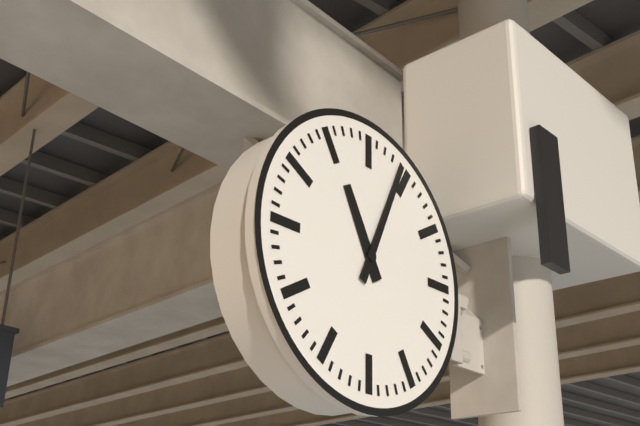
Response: 11:04
